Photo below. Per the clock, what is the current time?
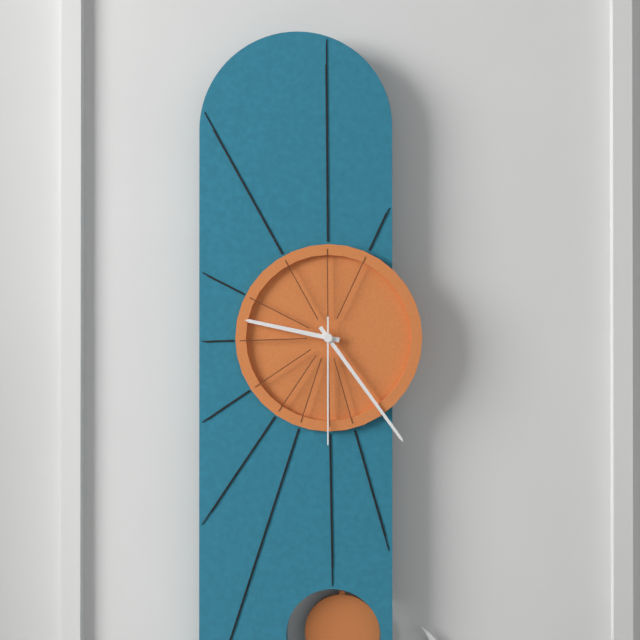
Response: 9:24:30
